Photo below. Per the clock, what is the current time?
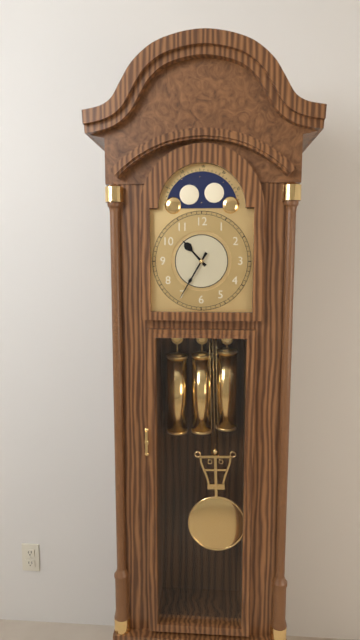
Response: 10:35
